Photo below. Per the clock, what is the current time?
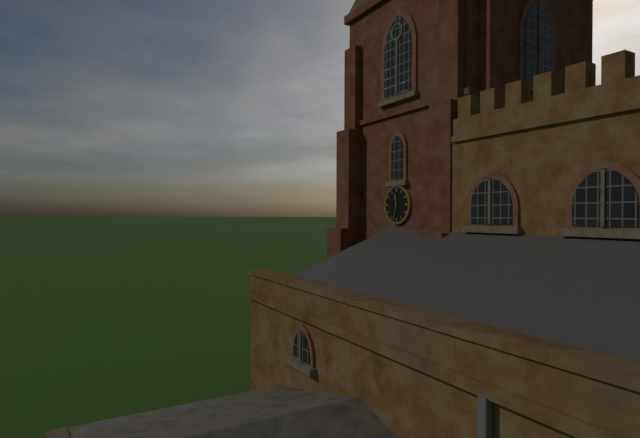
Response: 11:32
